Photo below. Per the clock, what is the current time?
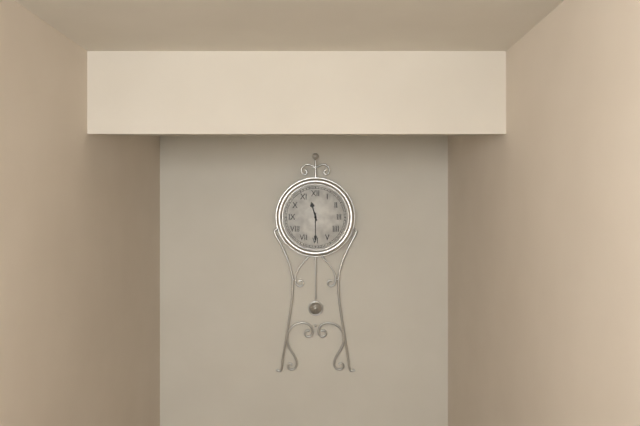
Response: 11:30
